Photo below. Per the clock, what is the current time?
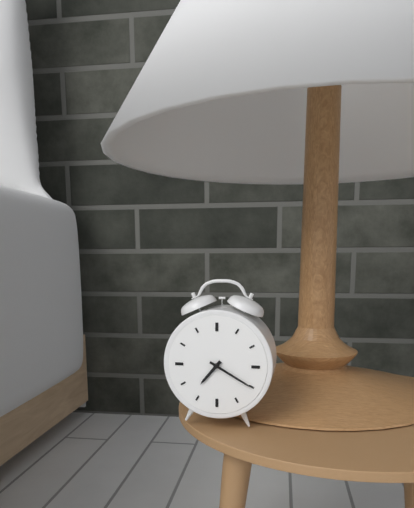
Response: 7:20
